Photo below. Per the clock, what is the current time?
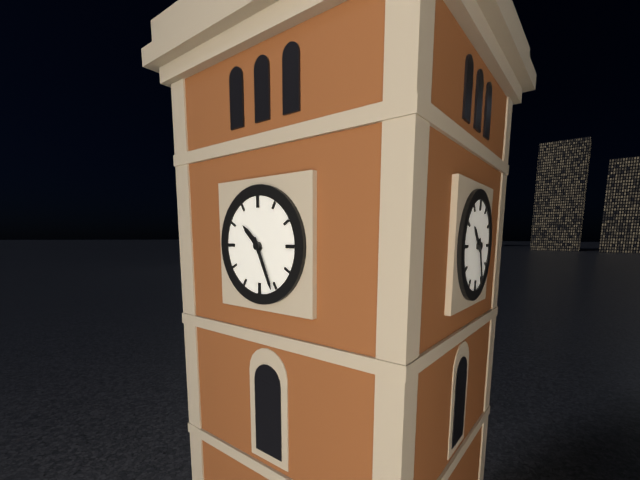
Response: 10:26
